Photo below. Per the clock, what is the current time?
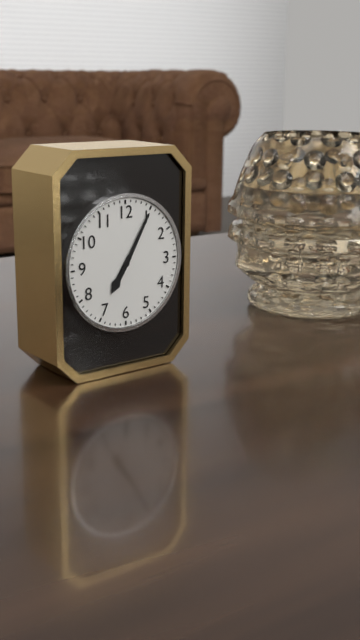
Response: 7:05
